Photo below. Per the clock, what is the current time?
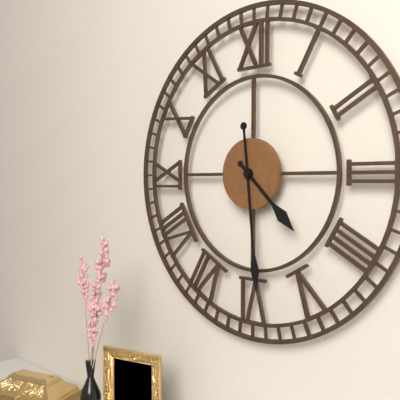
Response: 4:29
